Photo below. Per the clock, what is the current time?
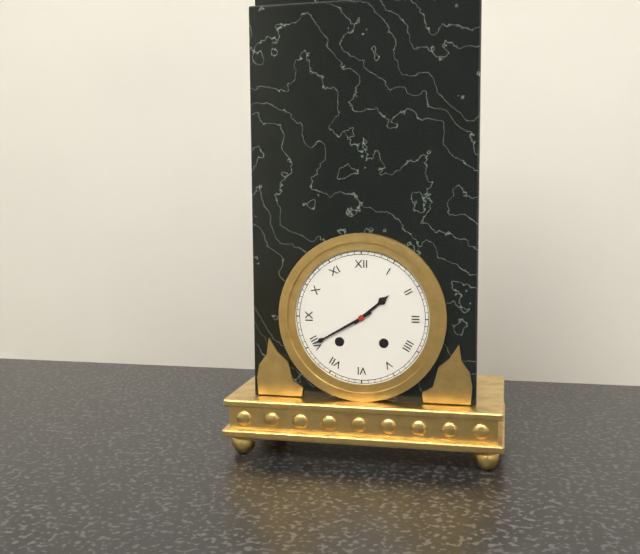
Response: 1:40
